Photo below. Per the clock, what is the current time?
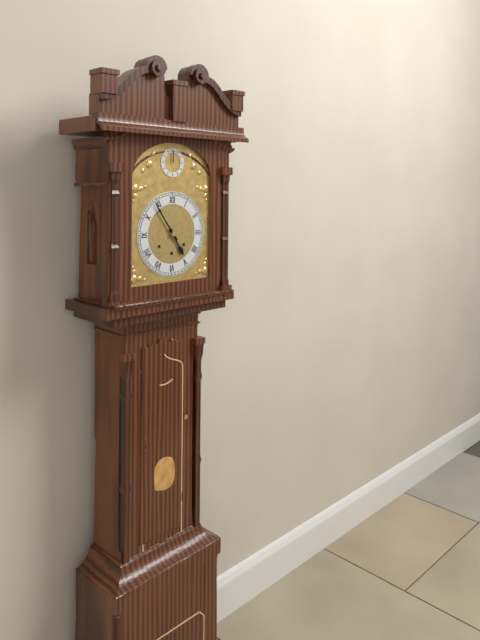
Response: 4:54
